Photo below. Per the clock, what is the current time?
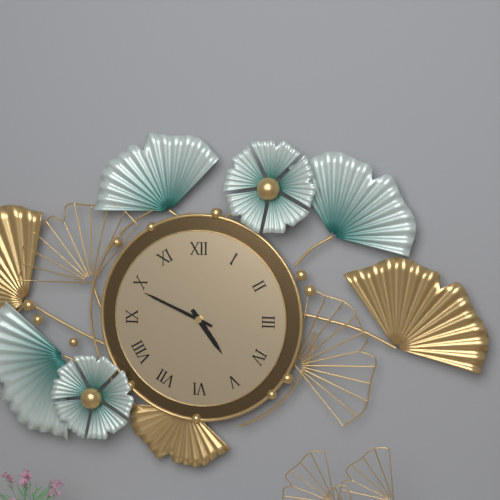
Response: 4:49
